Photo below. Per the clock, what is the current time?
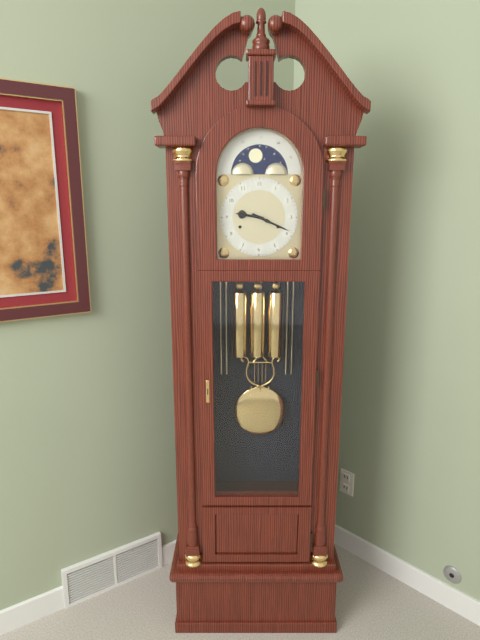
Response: 9:19
